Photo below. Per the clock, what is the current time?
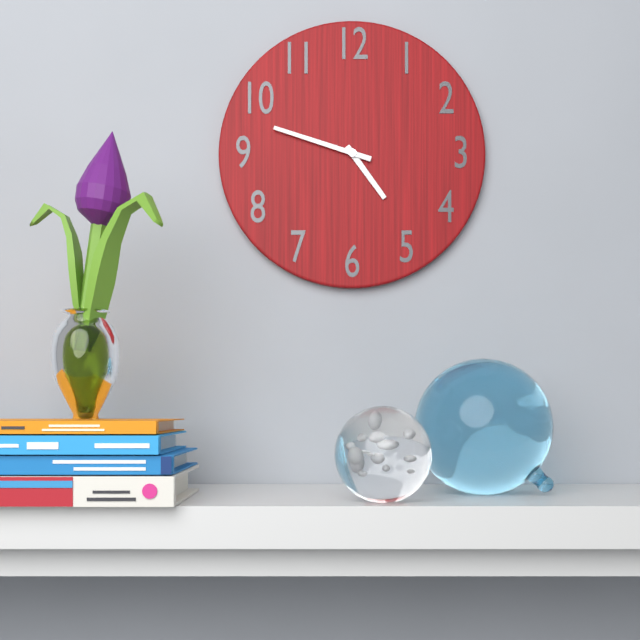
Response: 4:48
